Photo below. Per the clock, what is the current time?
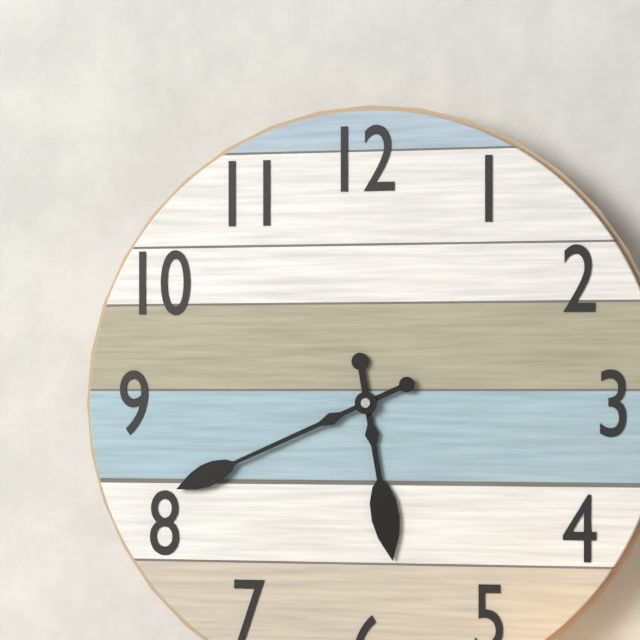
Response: 5:41
